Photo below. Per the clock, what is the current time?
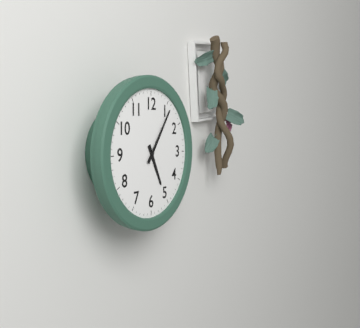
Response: 5:06
